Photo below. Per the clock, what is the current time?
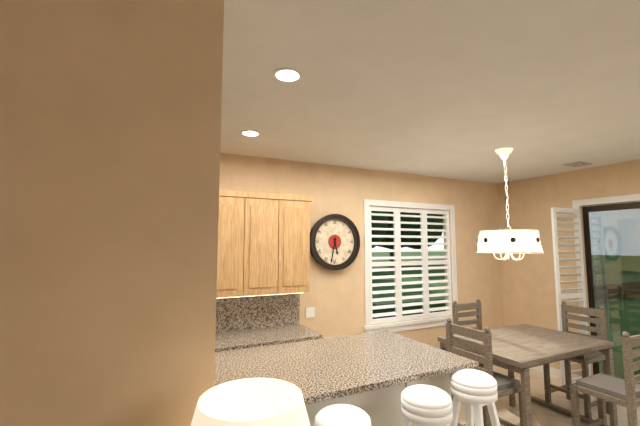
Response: 5:32
